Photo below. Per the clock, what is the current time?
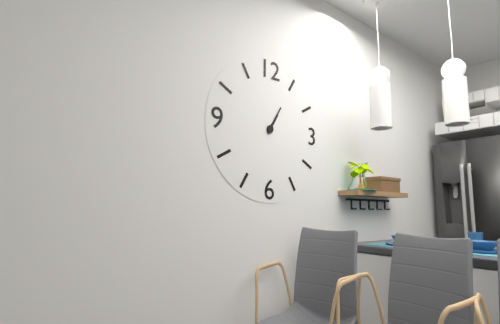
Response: 1:05
